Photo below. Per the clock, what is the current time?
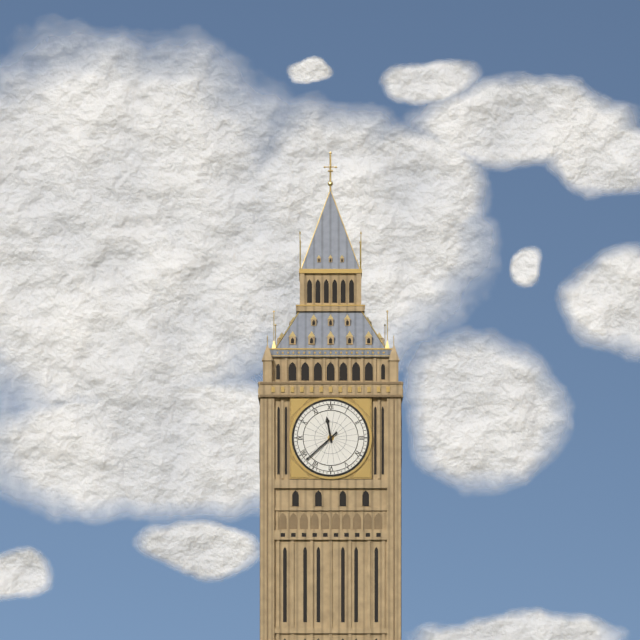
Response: 11:38
